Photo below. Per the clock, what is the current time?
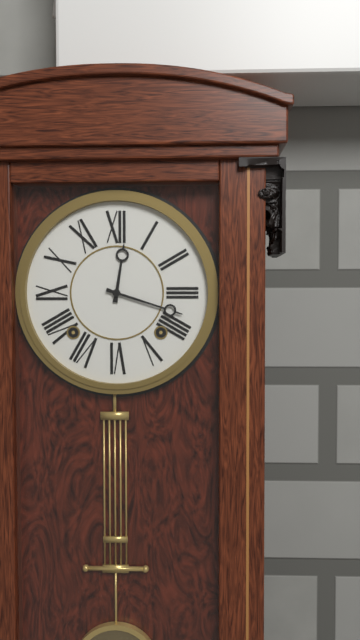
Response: 12:18
